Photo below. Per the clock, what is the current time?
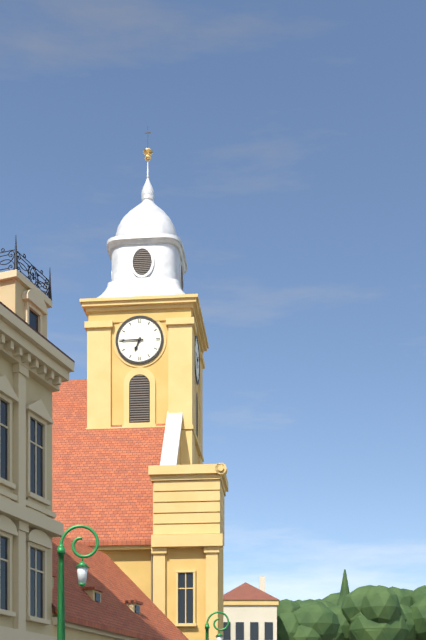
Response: 6:45
